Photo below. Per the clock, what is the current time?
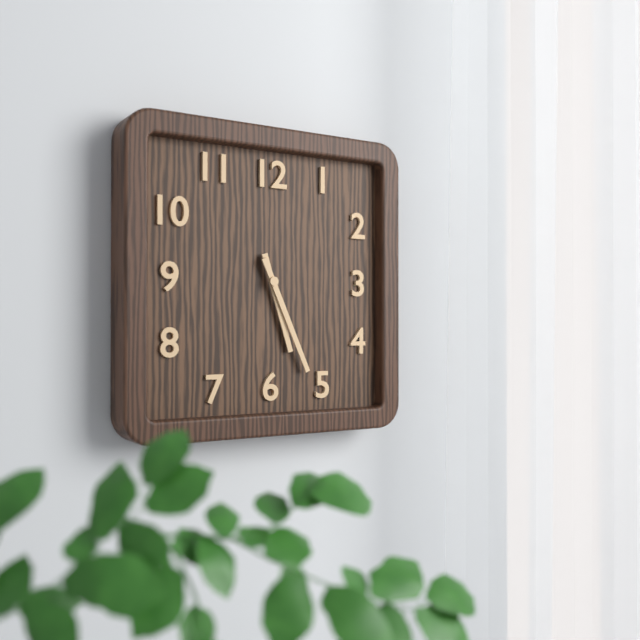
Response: 5:26
